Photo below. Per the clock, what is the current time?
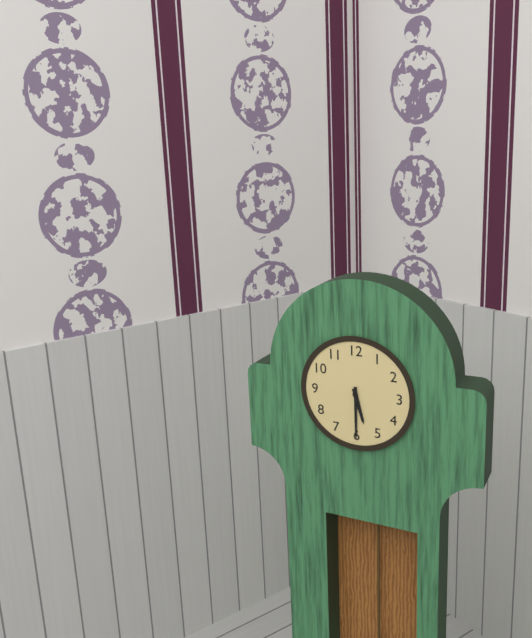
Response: 5:30
